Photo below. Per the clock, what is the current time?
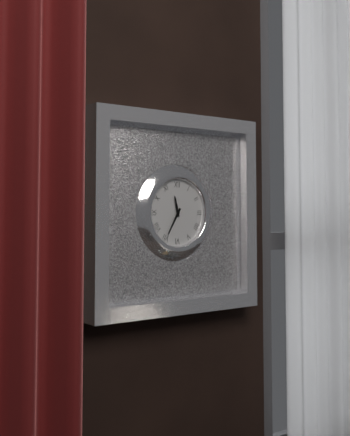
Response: 11:35
